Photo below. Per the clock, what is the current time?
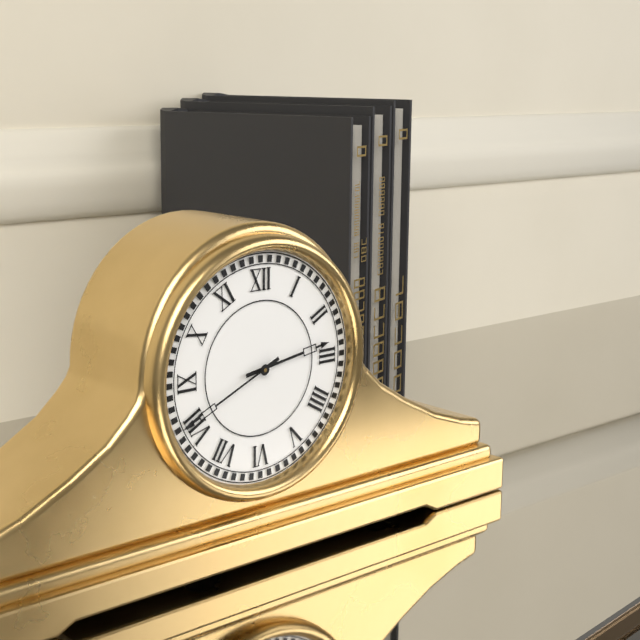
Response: 2:41
